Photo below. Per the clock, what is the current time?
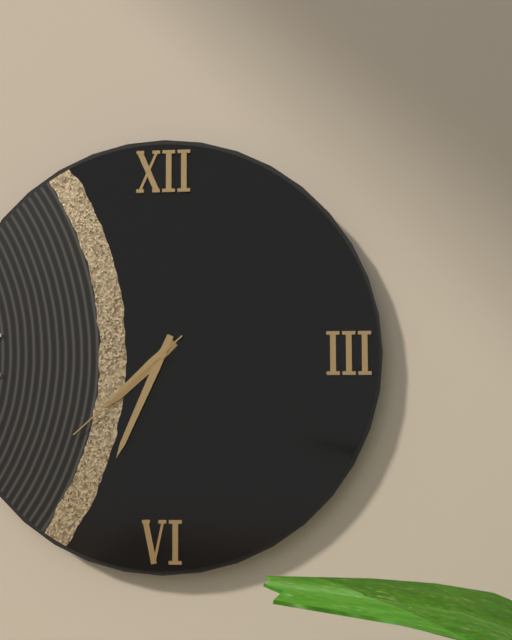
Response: 7:34:38
